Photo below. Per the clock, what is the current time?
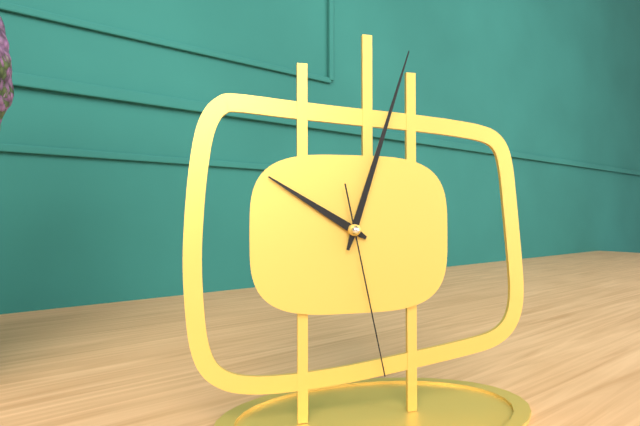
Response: 10:03:28
